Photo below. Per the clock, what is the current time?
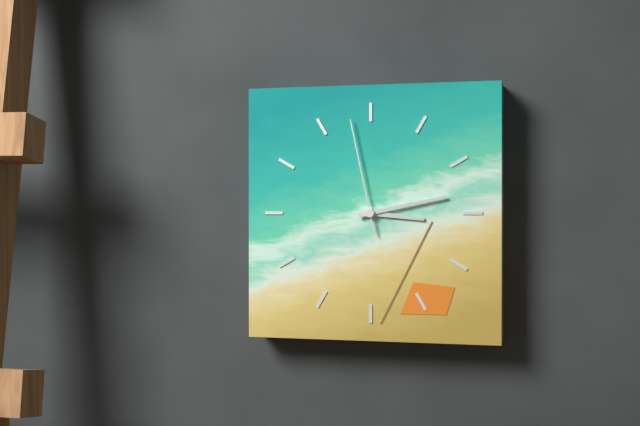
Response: 3:13:58
